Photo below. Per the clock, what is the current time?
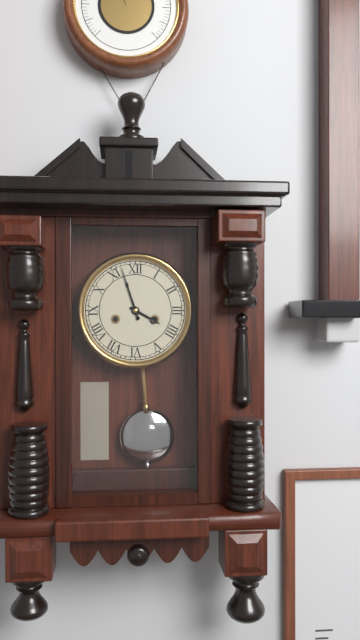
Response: 3:57
